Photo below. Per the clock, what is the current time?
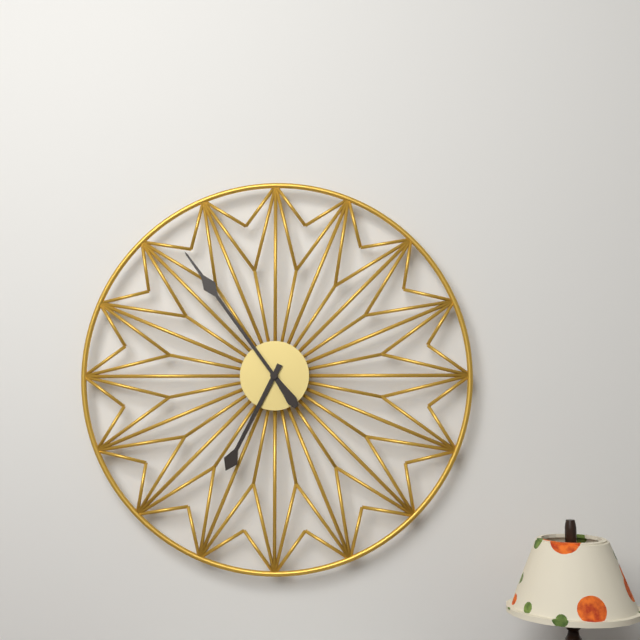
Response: 6:54
